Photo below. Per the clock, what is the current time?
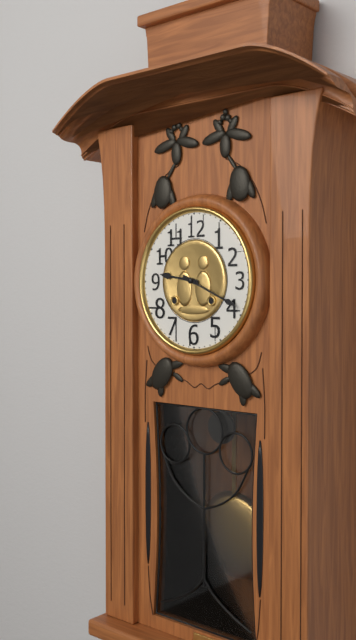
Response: 9:19
